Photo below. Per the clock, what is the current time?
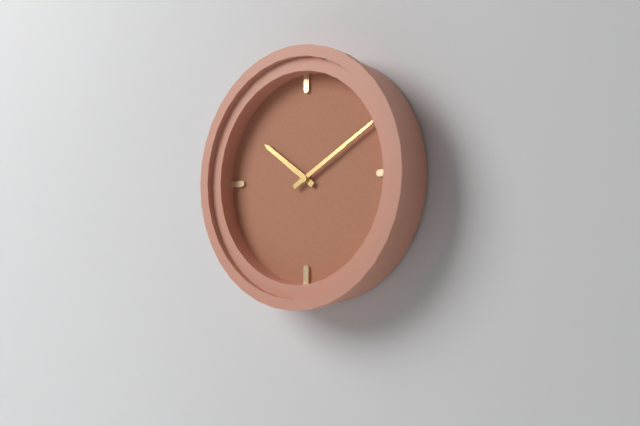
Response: 10:10
